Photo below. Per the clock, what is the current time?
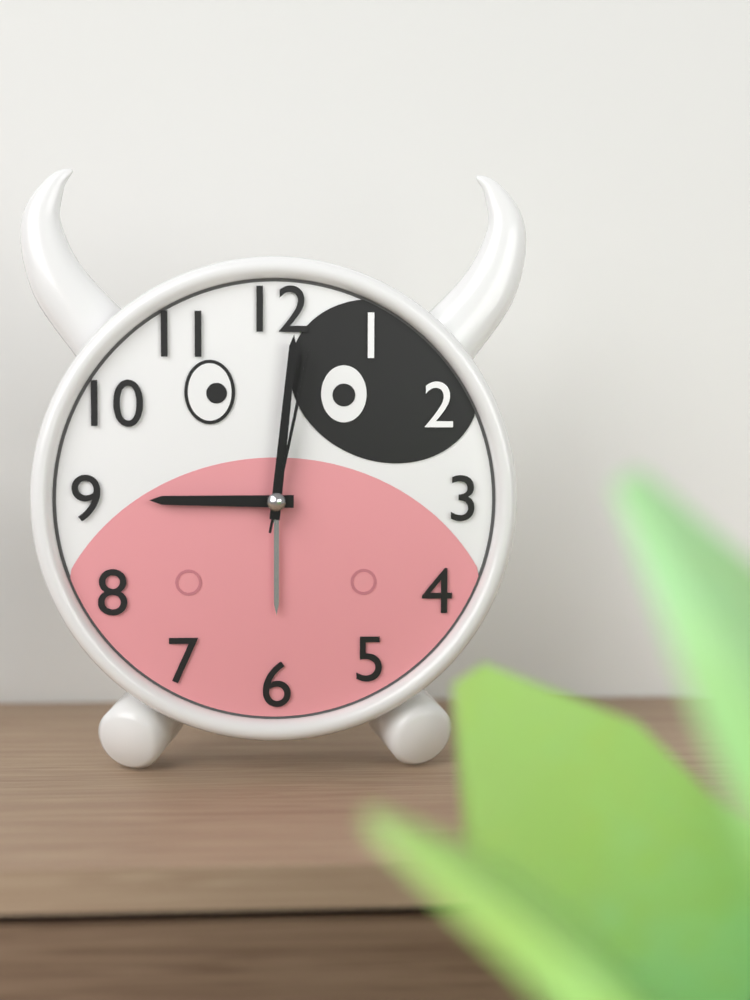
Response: 9:01:02
